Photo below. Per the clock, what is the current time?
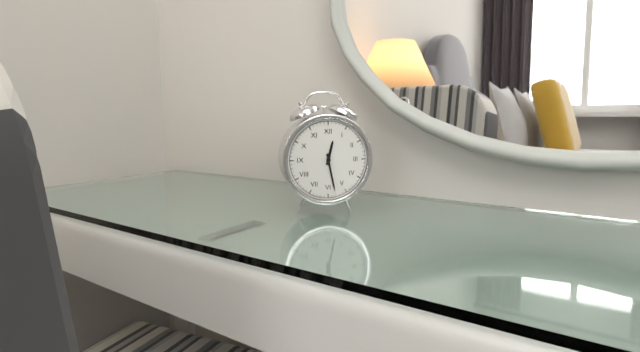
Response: 12:28
